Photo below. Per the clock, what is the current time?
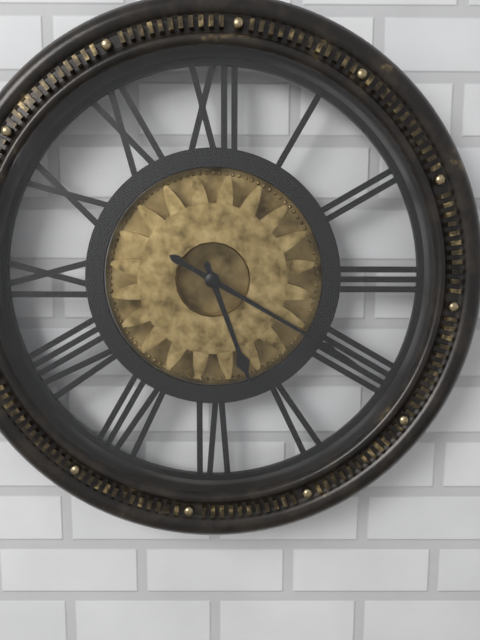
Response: 5:20
